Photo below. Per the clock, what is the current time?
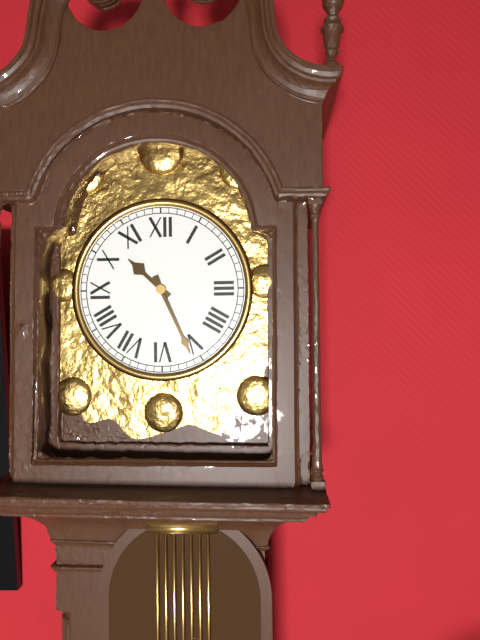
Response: 10:26
